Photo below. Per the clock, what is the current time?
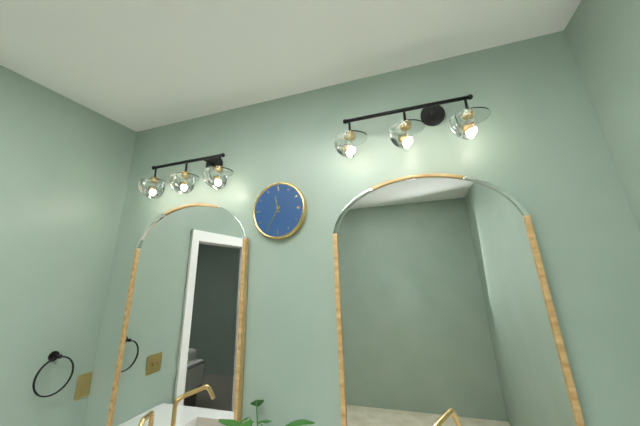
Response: 11:35
